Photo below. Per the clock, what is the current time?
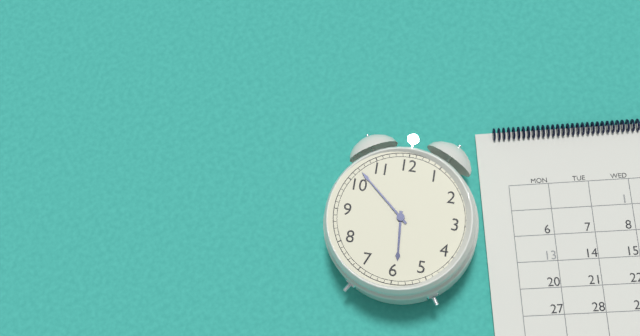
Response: 5:52
